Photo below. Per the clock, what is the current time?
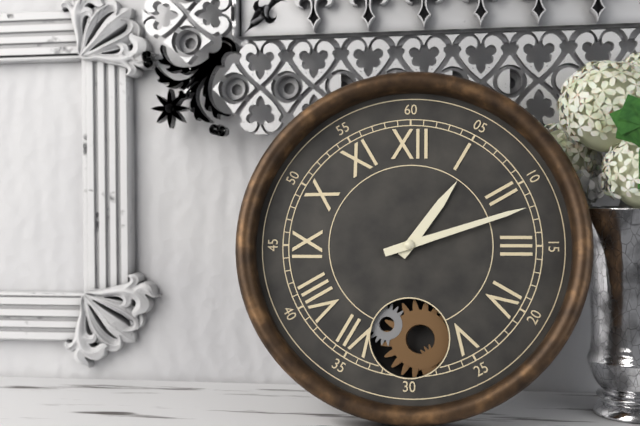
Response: 1:12
